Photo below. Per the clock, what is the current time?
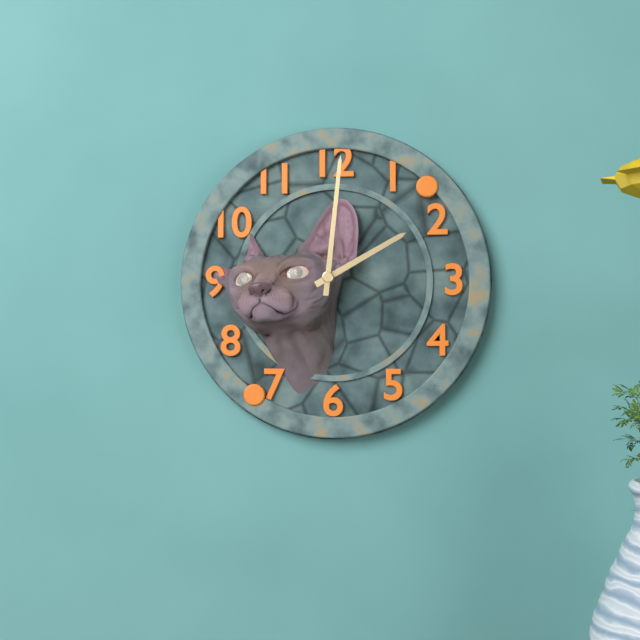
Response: 2:01
